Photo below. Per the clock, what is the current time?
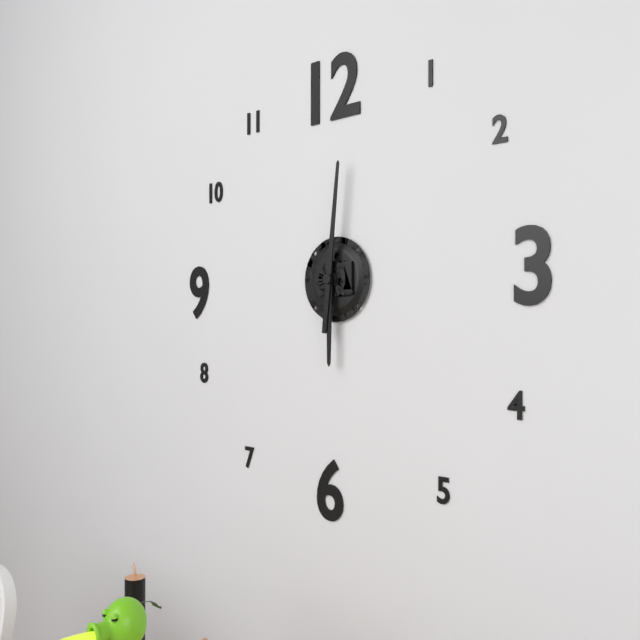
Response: 6:01
